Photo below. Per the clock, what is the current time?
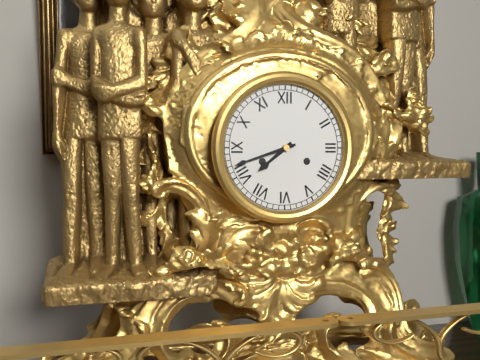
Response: 7:42
